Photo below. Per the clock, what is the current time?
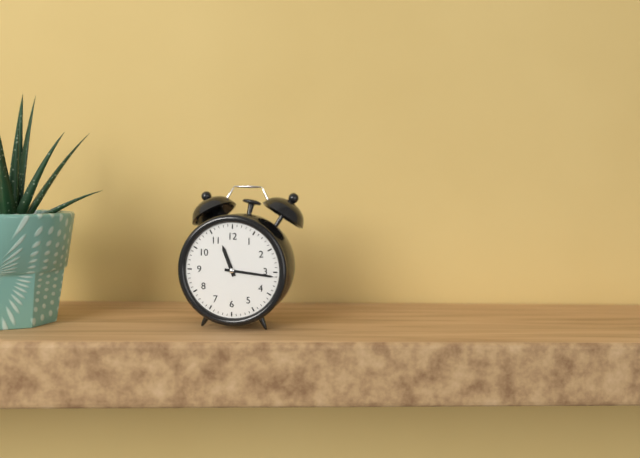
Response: 11:16
